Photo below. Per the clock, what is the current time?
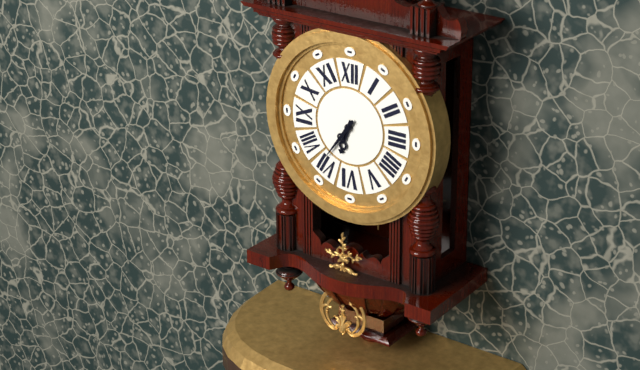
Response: 6:36
